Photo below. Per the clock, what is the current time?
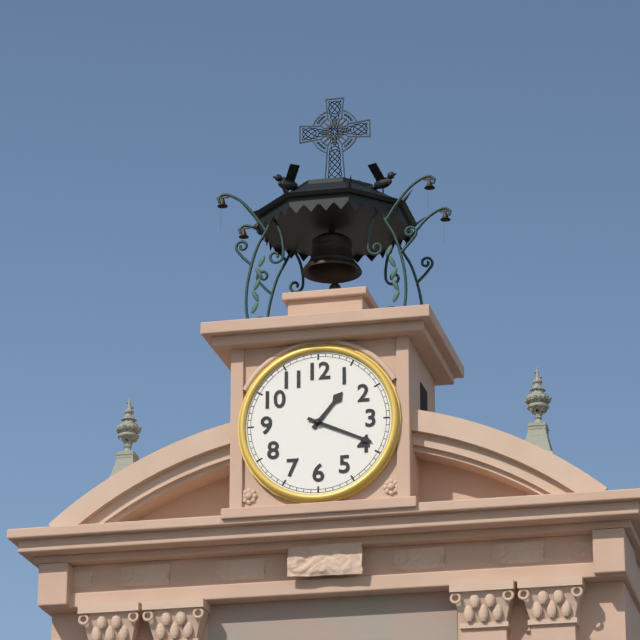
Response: 1:19
